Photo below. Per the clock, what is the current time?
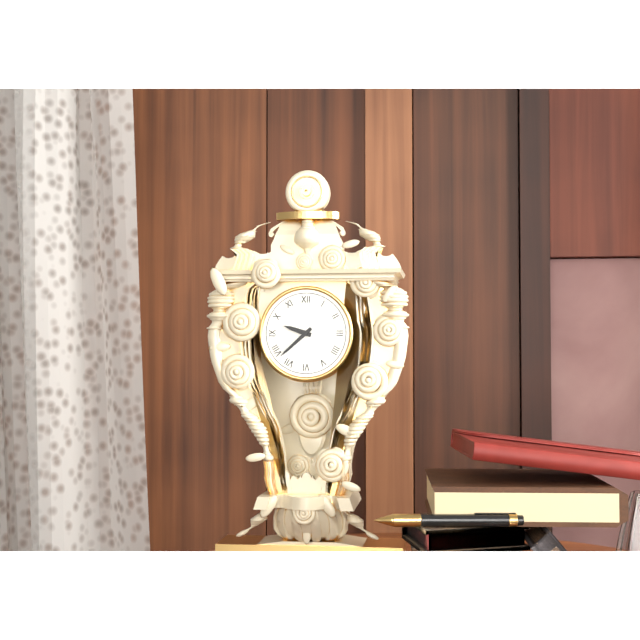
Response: 9:38
